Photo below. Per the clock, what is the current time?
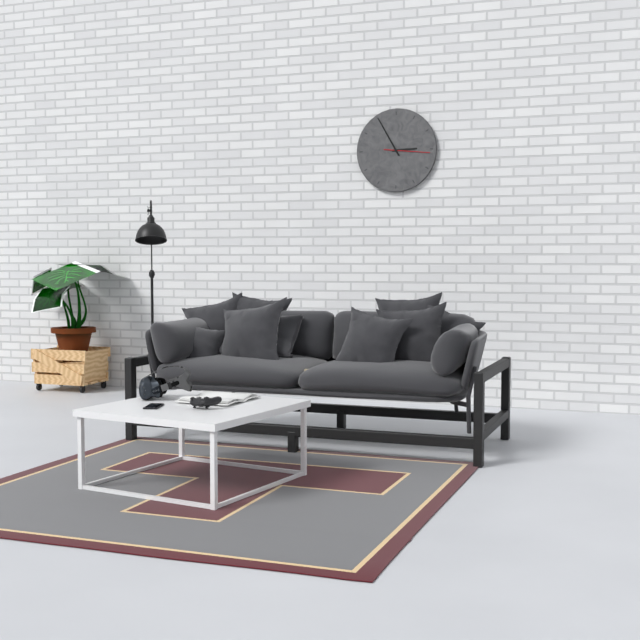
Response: 2:55
